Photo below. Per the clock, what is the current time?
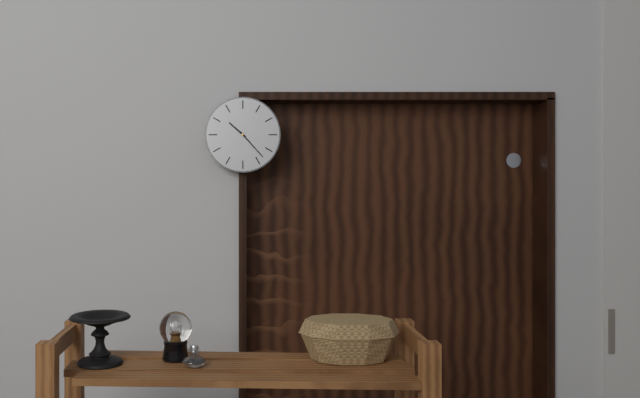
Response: 10:23
